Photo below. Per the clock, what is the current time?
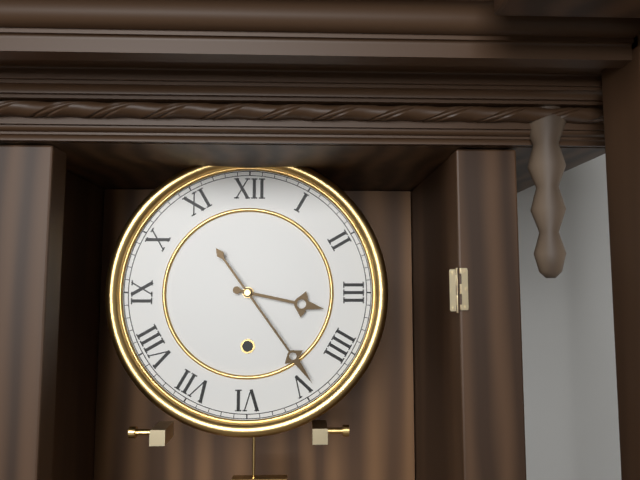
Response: 3:24
